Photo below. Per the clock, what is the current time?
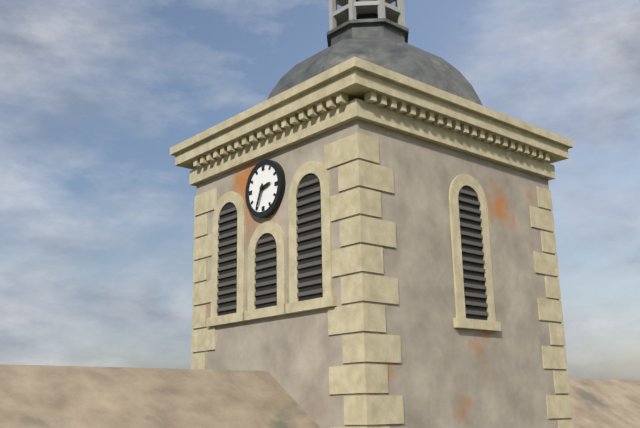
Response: 2:34
